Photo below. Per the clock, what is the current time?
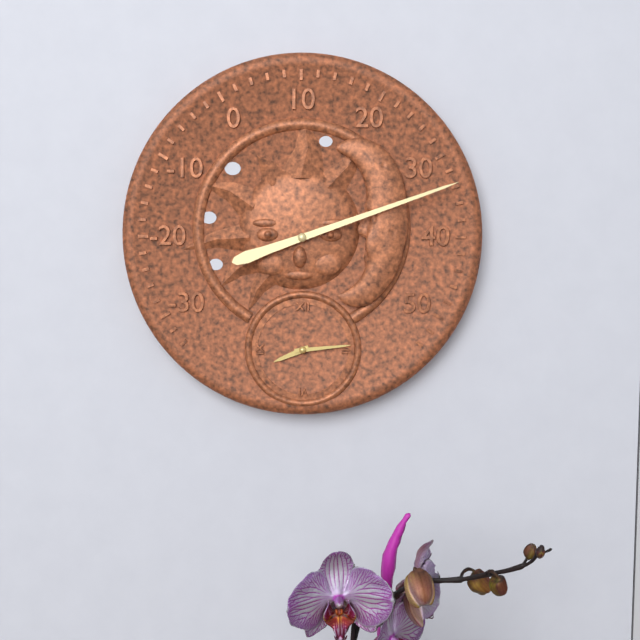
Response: 8:14
